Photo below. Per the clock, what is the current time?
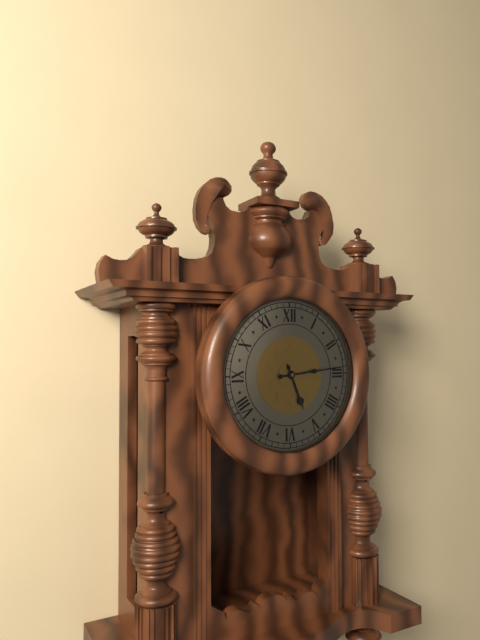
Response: 5:14
